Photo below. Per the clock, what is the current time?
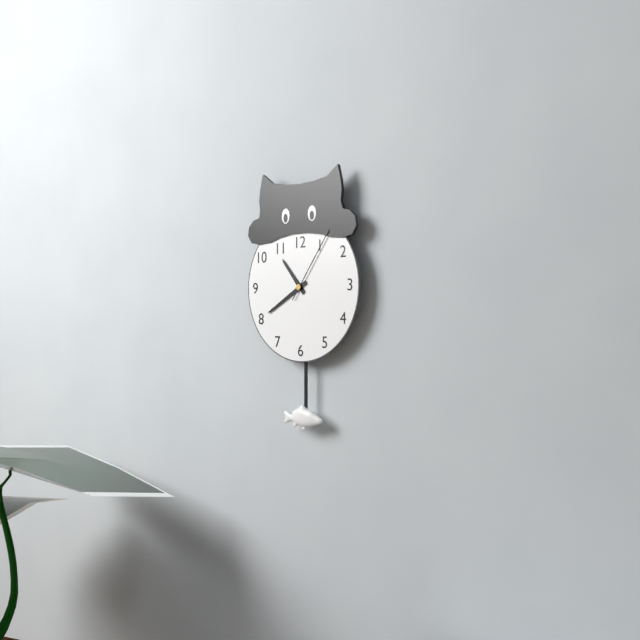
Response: 10:40:06
